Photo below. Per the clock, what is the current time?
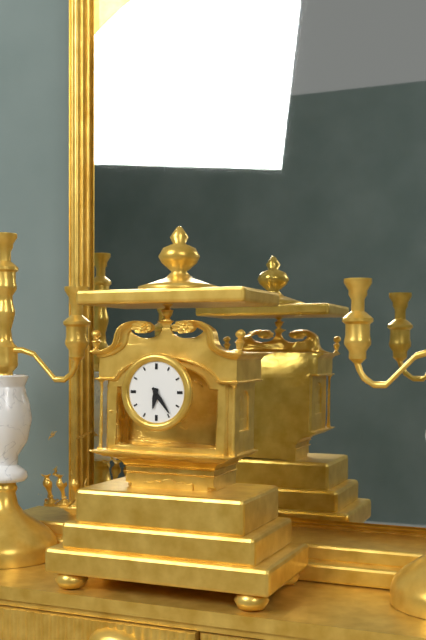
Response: 6:24
